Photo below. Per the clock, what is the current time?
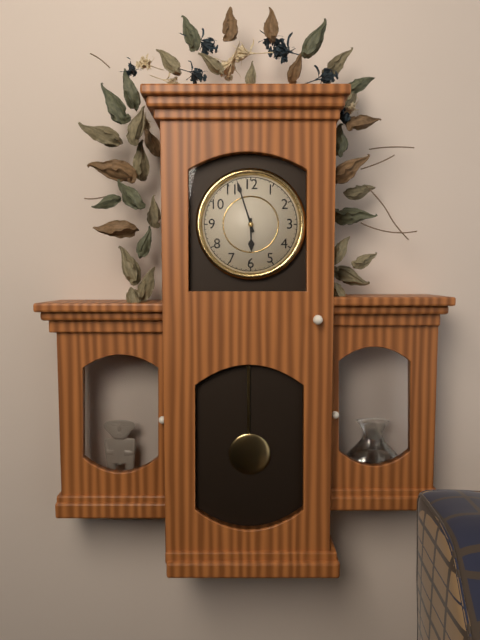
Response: 5:57
